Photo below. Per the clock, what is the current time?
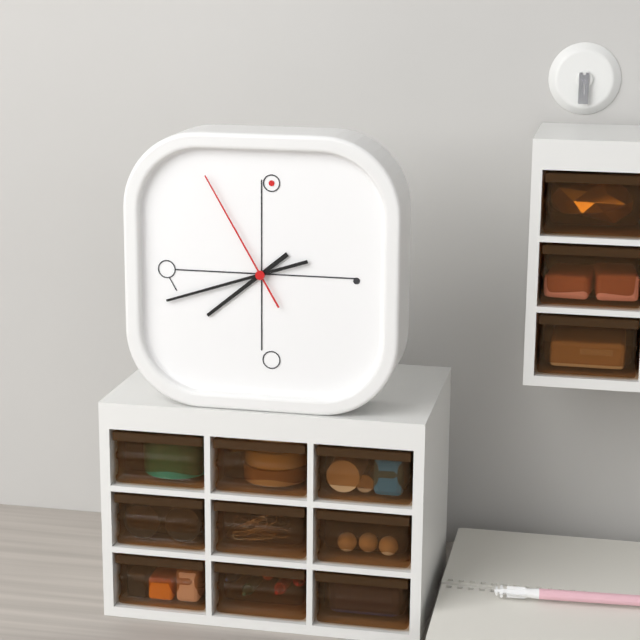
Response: 7:42:55
